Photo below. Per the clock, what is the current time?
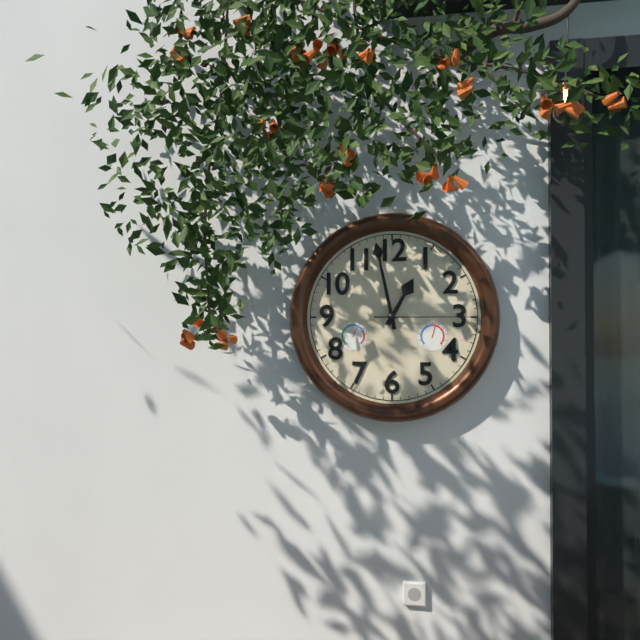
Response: 12:58:15
